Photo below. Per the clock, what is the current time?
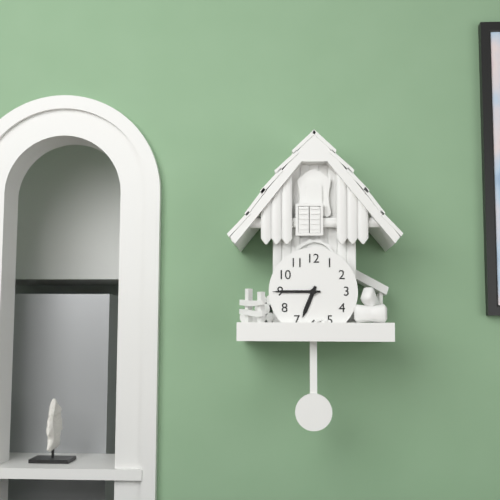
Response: 6:45
